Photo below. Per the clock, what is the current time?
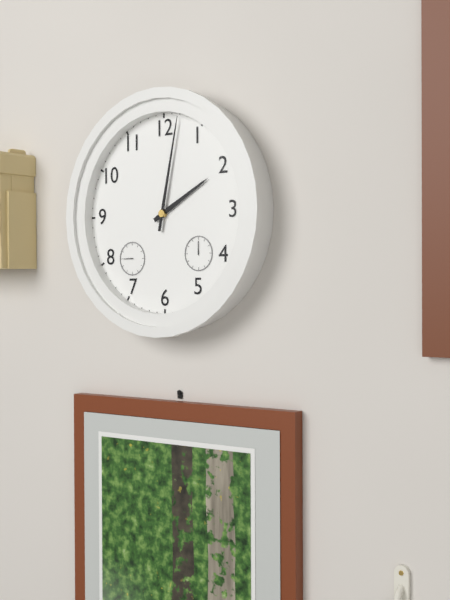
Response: 2:02
